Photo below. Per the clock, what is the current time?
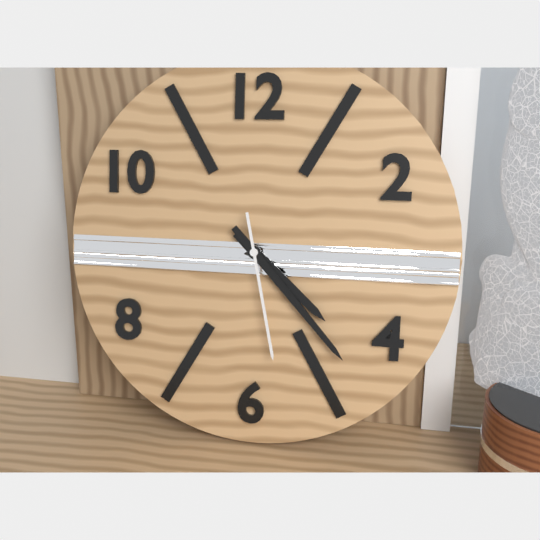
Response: 4:23:28
